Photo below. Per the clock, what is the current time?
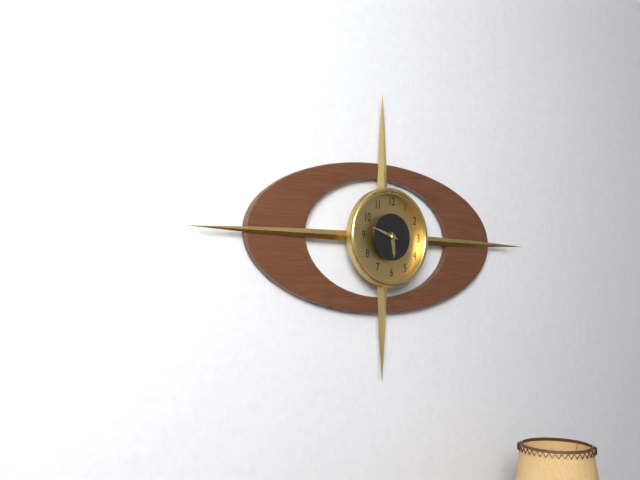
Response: 5:48
